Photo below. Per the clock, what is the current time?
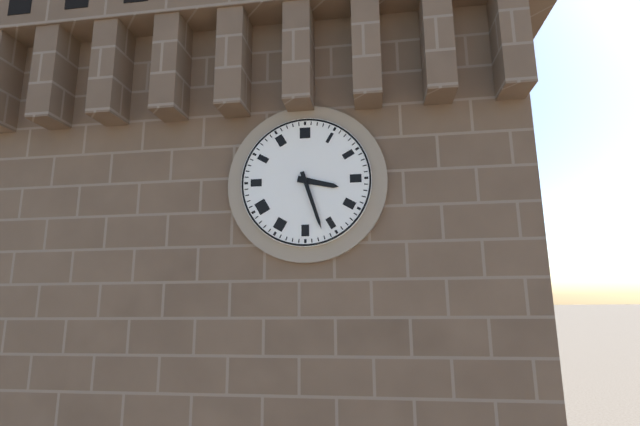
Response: 3:27
